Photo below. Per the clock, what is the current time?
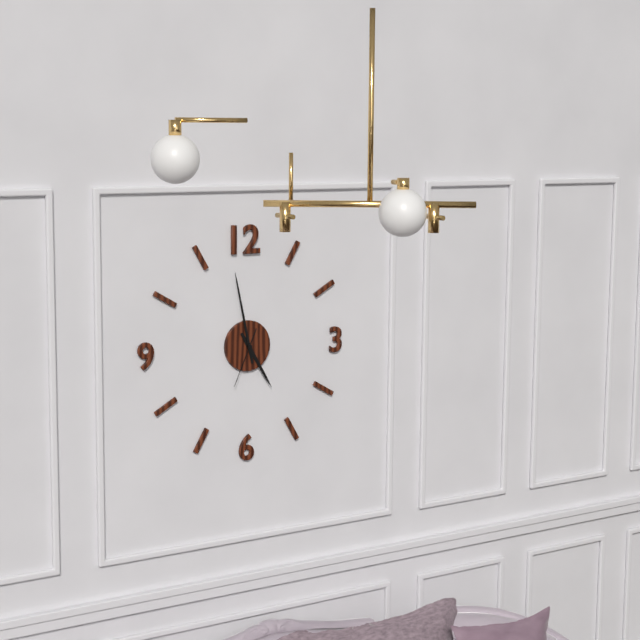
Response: 4:58:34
